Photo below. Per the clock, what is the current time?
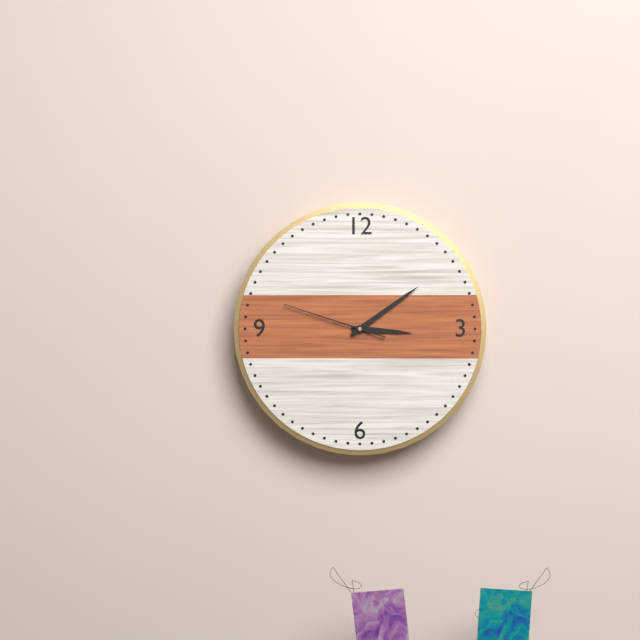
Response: 3:09:48
